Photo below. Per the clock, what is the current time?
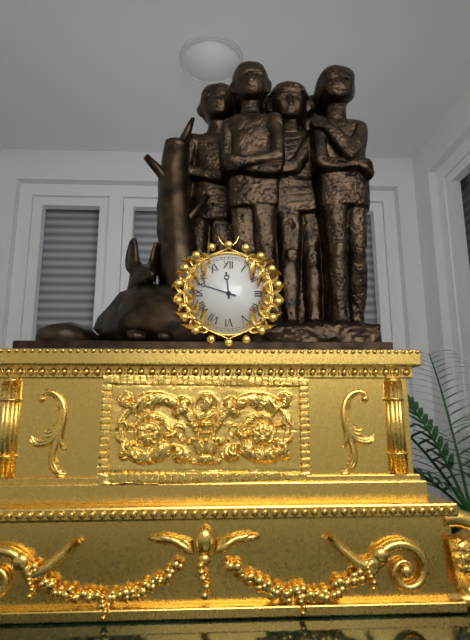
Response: 11:48
